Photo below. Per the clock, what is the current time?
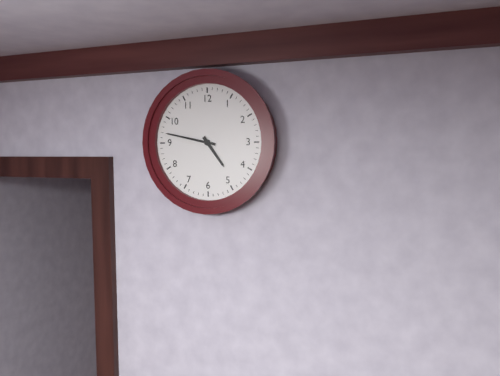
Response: 4:47
